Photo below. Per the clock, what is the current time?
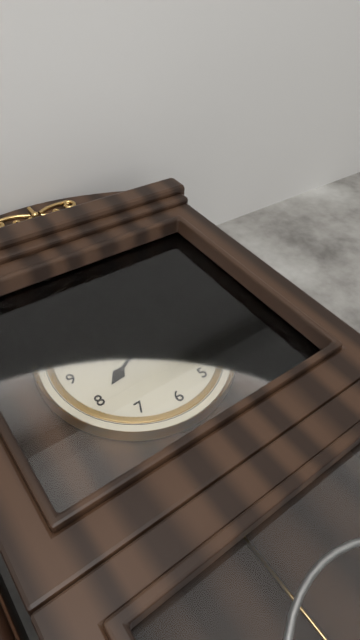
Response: 7:58
